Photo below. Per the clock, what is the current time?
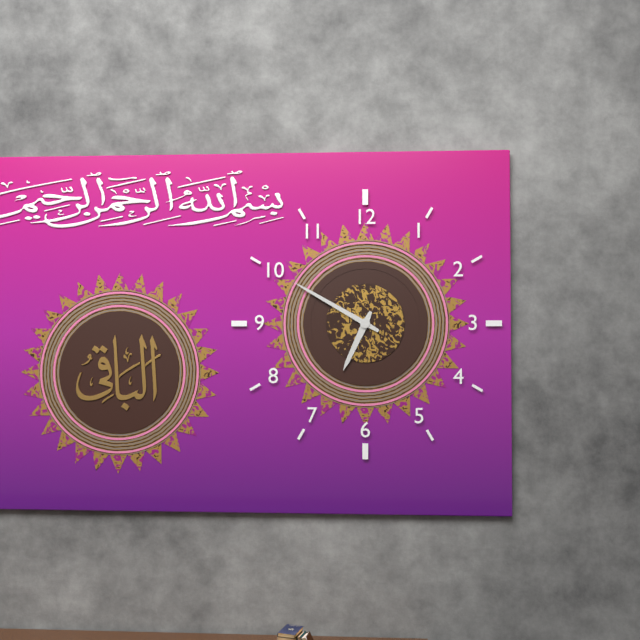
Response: 6:50
